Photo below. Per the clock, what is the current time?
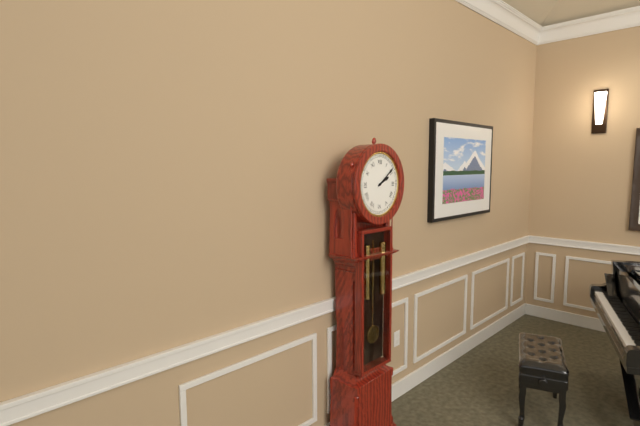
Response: 2:09
